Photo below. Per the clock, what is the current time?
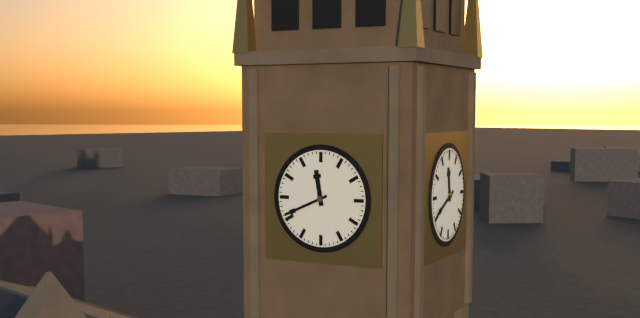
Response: 11:41
